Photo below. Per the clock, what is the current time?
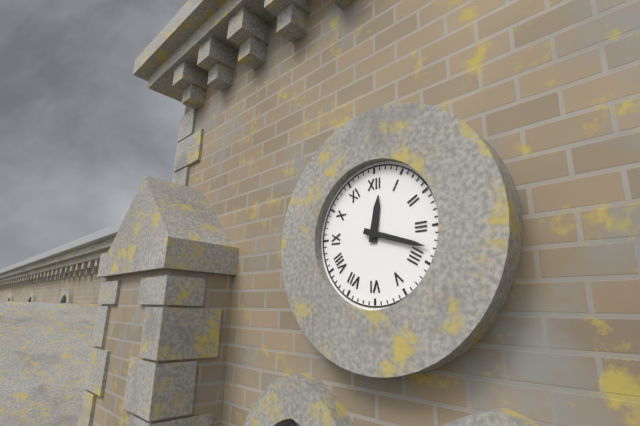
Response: 12:18
